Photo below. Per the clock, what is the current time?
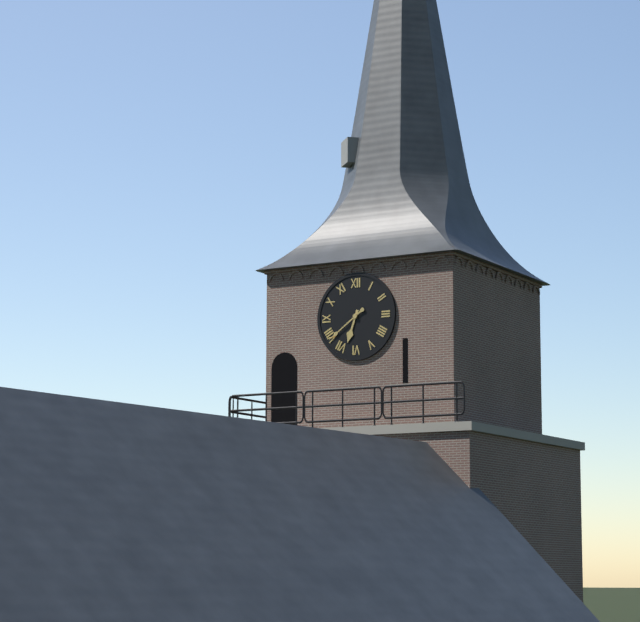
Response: 6:39
